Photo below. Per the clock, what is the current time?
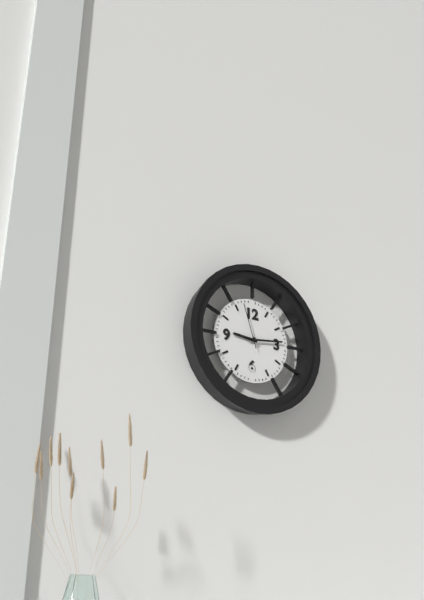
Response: 9:14
